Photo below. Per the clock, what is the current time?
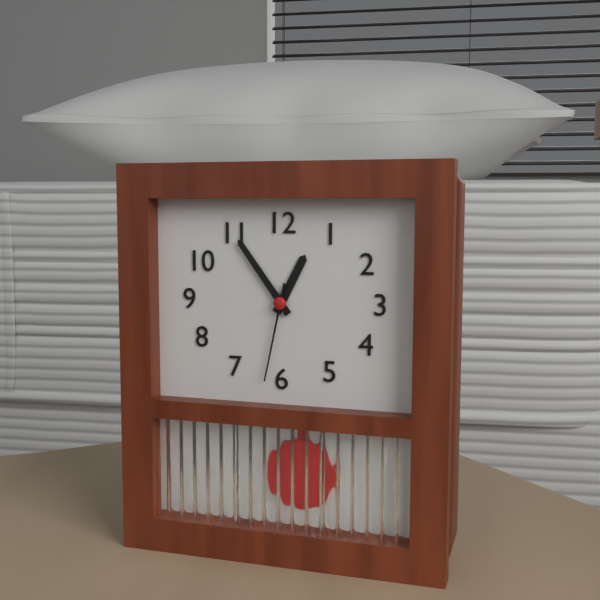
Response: 12:54:32
